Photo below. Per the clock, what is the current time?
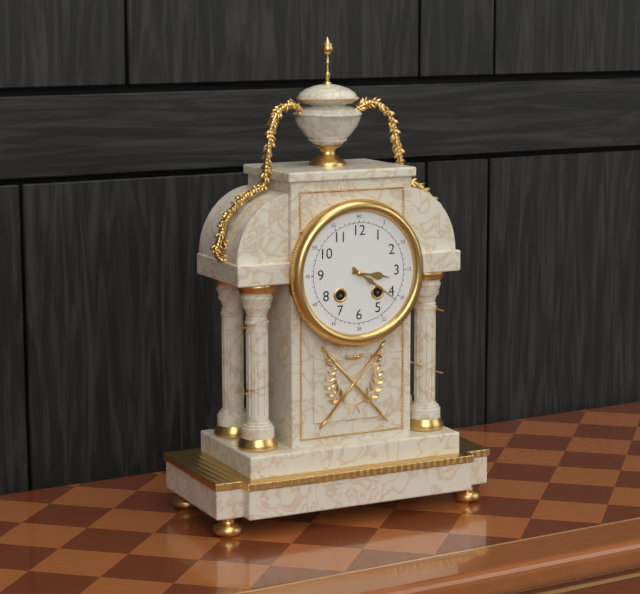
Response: 3:21
